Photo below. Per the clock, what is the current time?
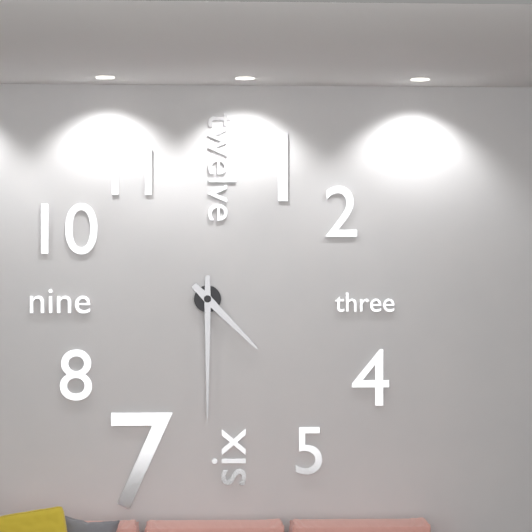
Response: 4:30
